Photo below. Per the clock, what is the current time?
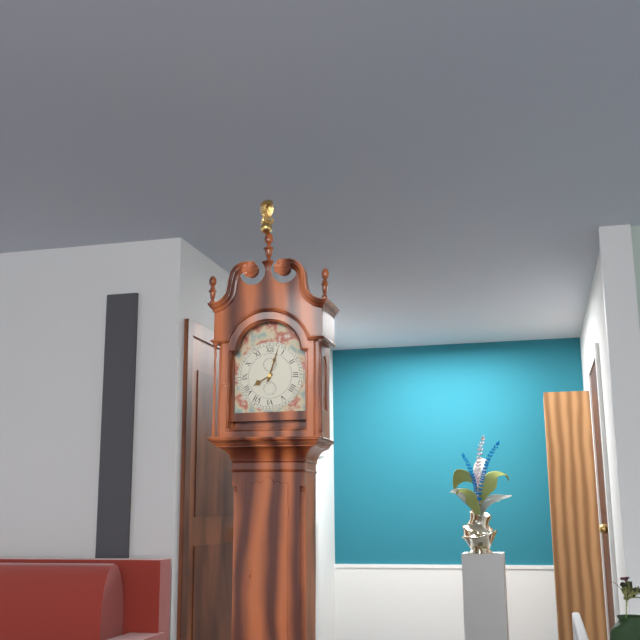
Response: 8:03
